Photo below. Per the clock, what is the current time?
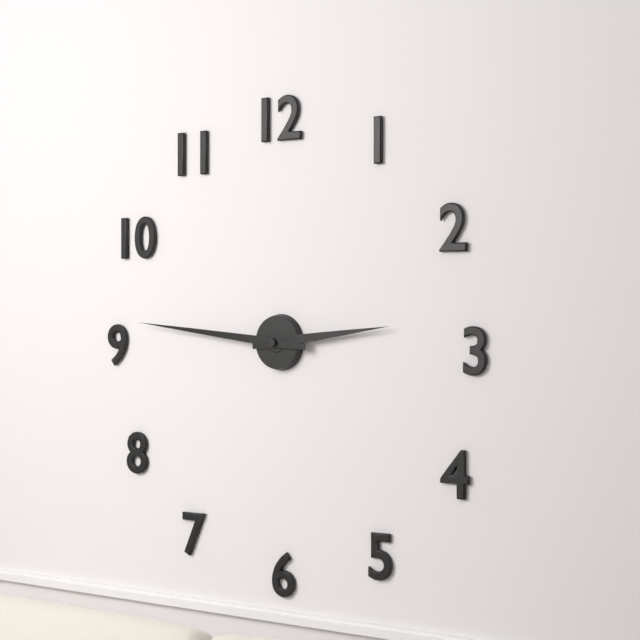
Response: 2:46
